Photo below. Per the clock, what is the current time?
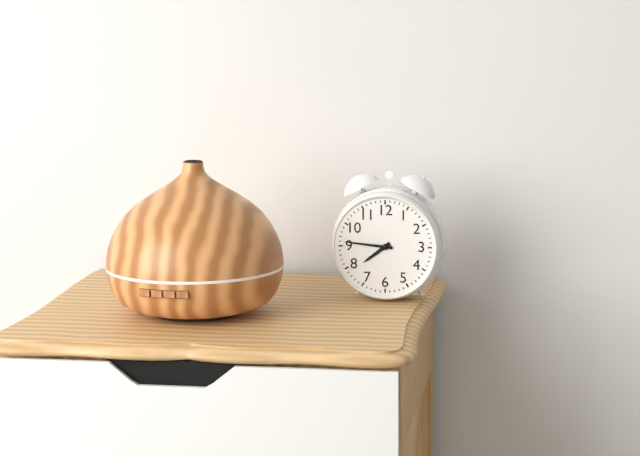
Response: 7:46
